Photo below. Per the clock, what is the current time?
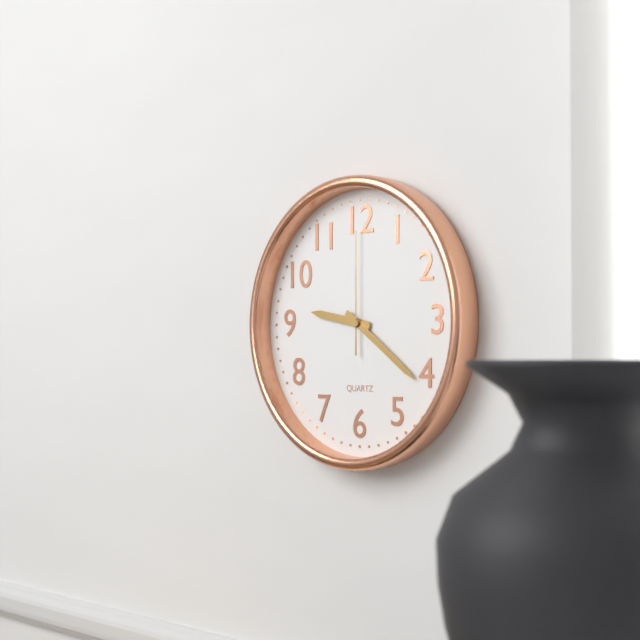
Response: 9:21:00
